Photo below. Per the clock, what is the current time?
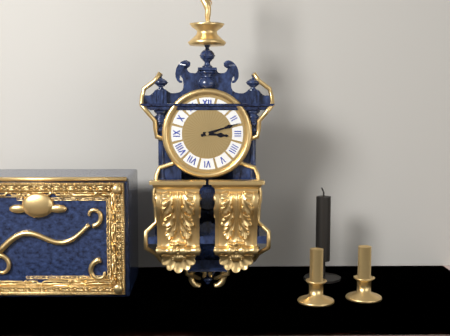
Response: 3:12
